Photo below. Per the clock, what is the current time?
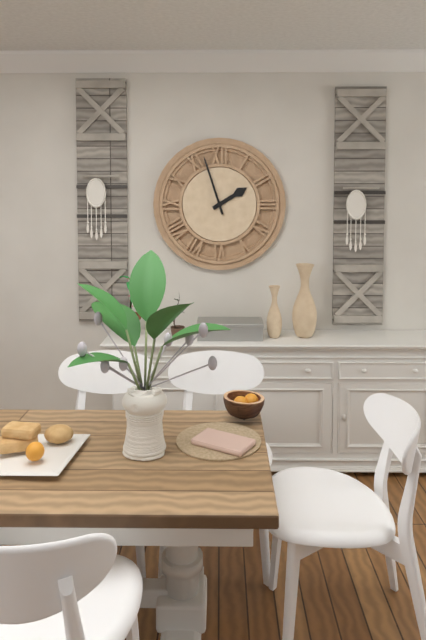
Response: 1:57
